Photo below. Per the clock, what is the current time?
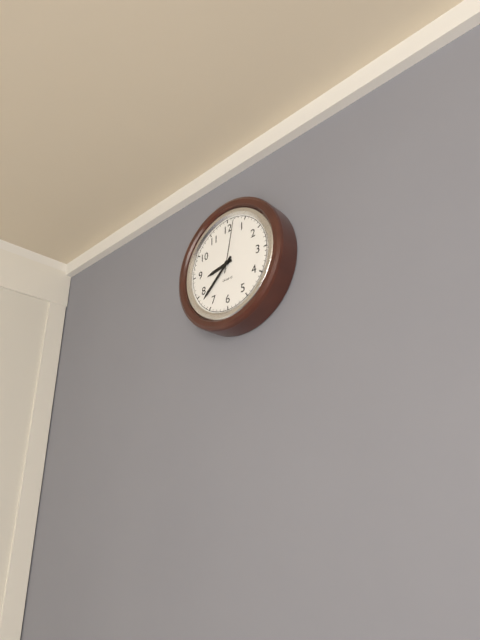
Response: 8:38:02
